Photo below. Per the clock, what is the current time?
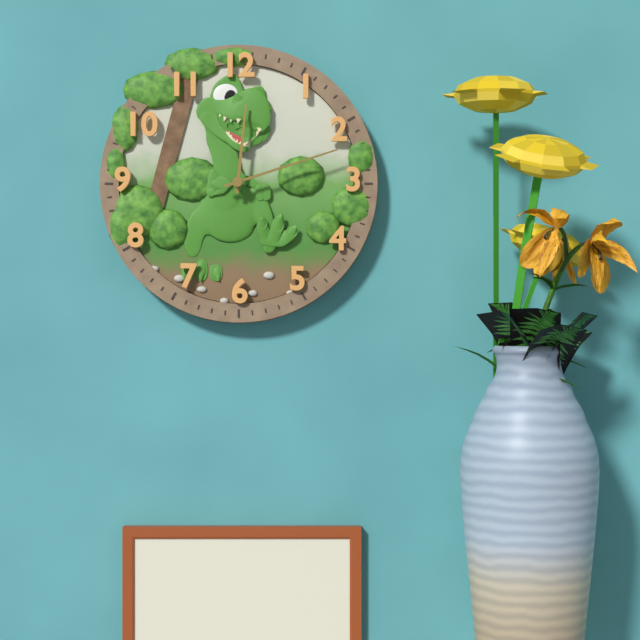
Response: 12:12
